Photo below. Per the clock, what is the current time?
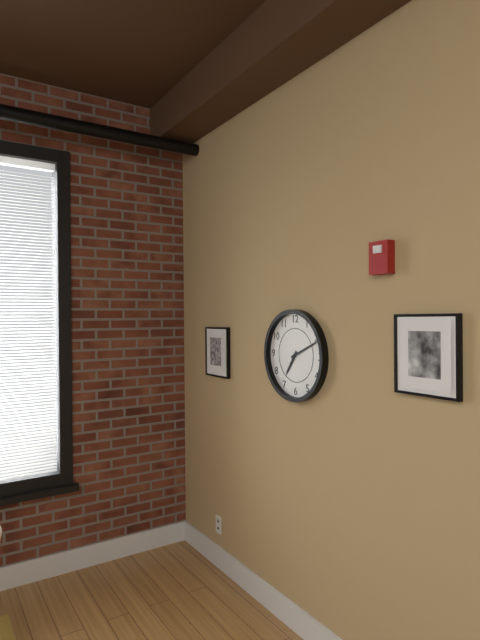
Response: 7:11
